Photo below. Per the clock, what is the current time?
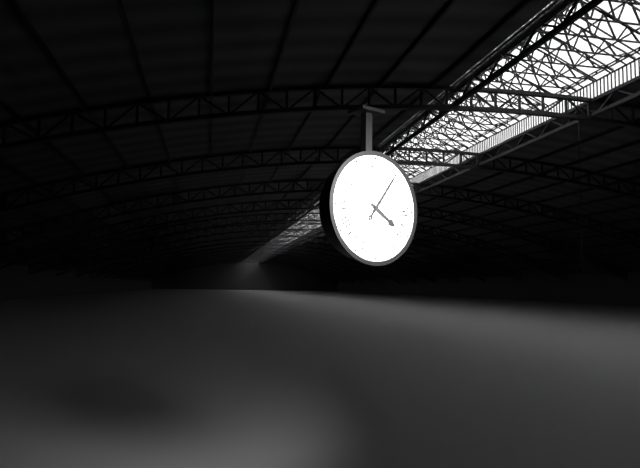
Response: 4:06
